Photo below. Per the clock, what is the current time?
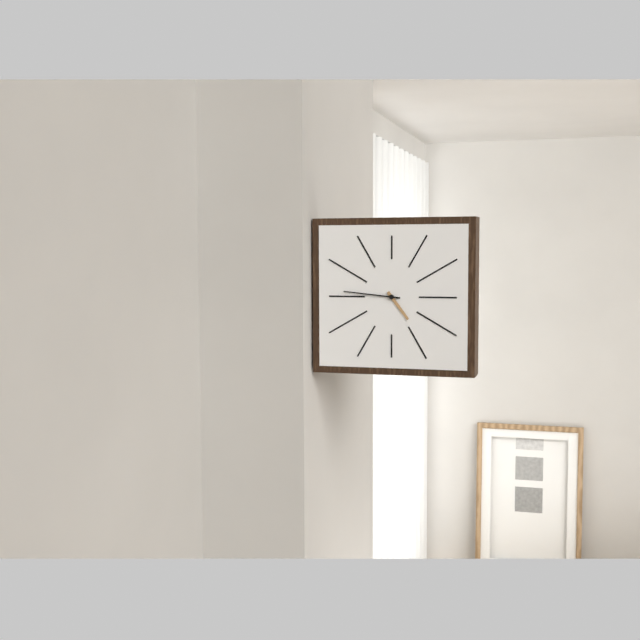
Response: 4:46
